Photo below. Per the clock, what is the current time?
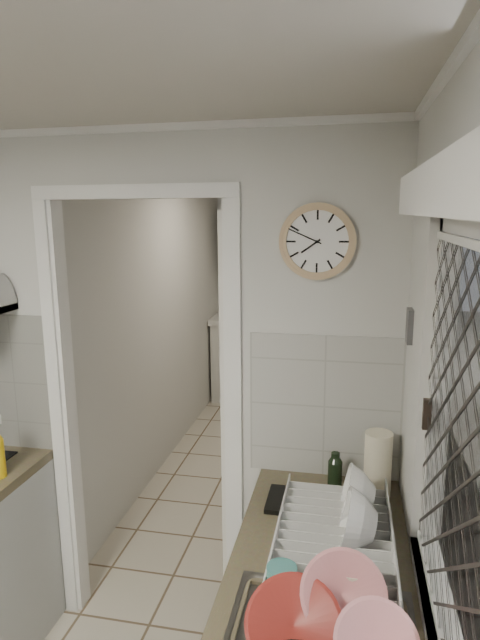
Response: 7:49
